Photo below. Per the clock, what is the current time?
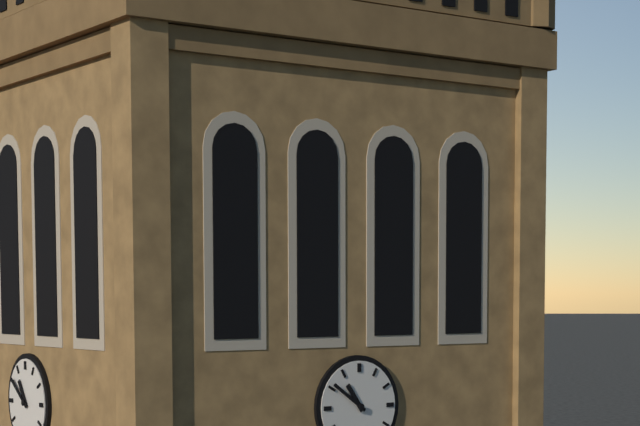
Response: 10:51
